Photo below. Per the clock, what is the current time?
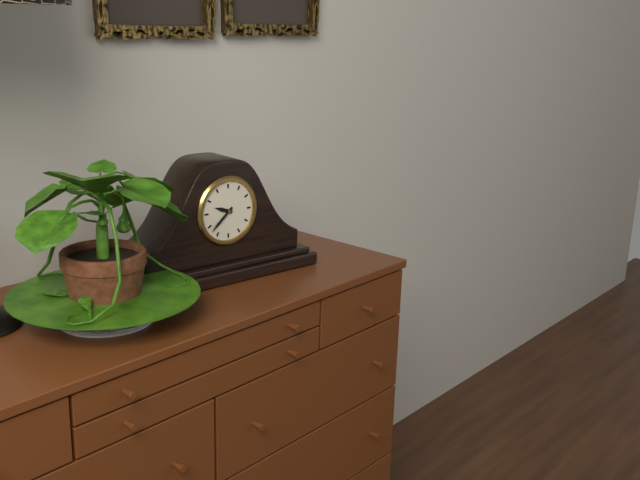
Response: 9:38
